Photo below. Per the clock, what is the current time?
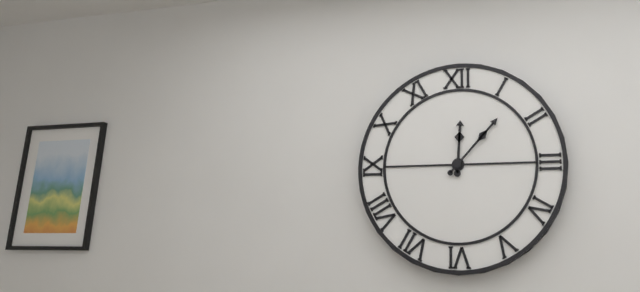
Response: 12:07
